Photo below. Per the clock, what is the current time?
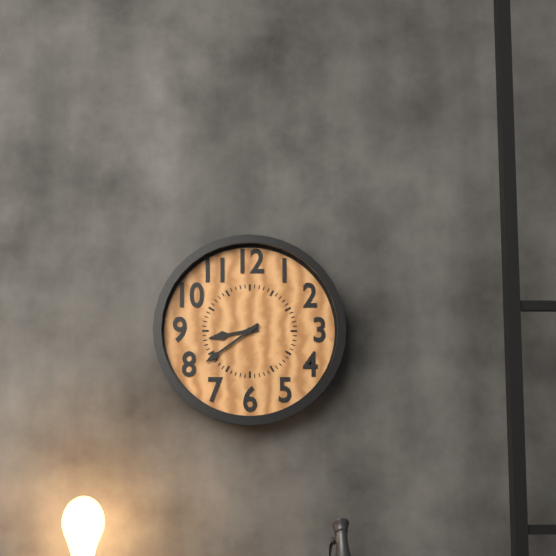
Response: 8:39
